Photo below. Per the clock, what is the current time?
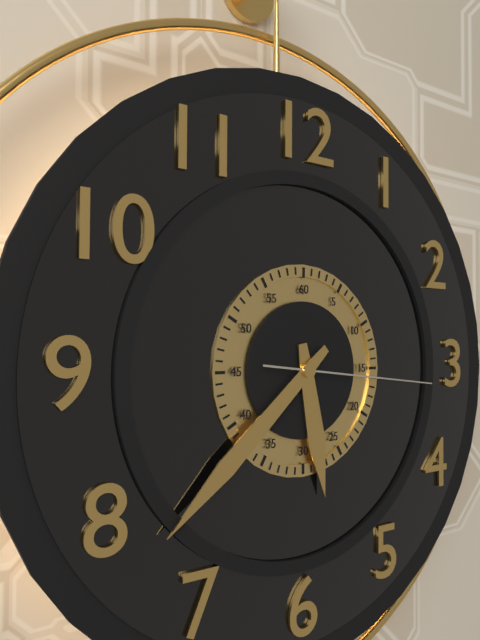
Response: 5:38:16
